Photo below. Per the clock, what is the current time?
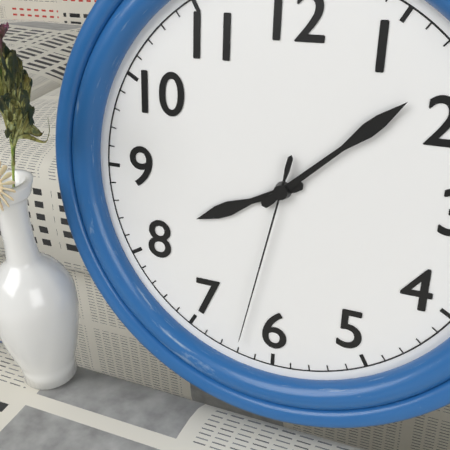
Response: 8:08:32
